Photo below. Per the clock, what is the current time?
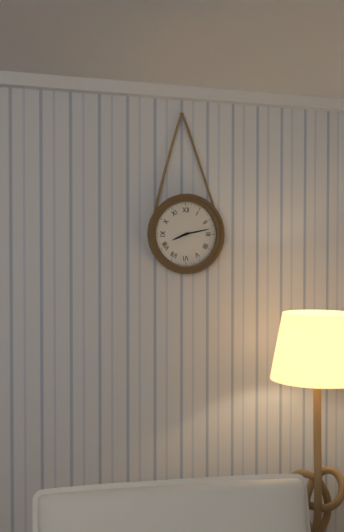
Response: 8:13
